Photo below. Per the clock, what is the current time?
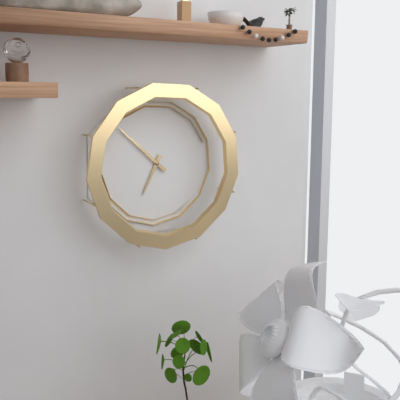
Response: 6:52
